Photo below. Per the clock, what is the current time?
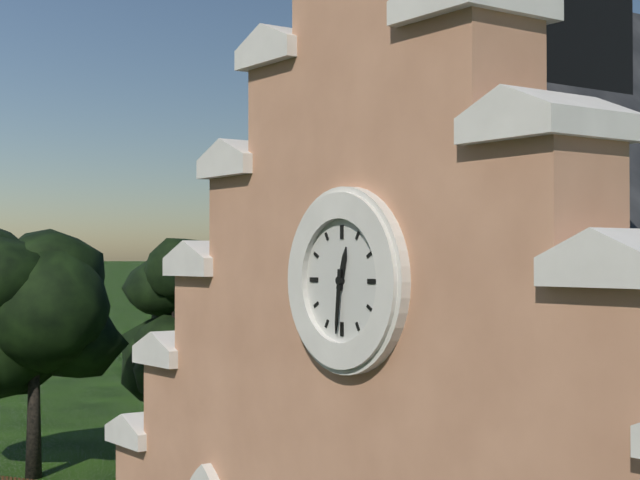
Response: 12:31
